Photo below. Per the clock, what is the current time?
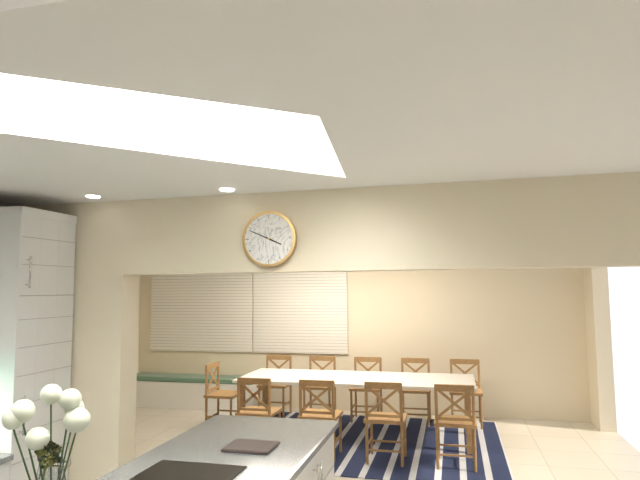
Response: 3:49
